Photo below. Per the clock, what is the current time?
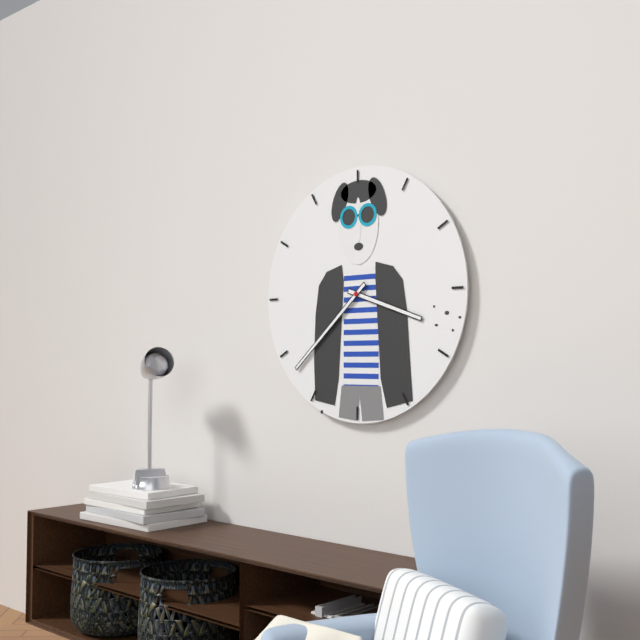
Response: 3:38
